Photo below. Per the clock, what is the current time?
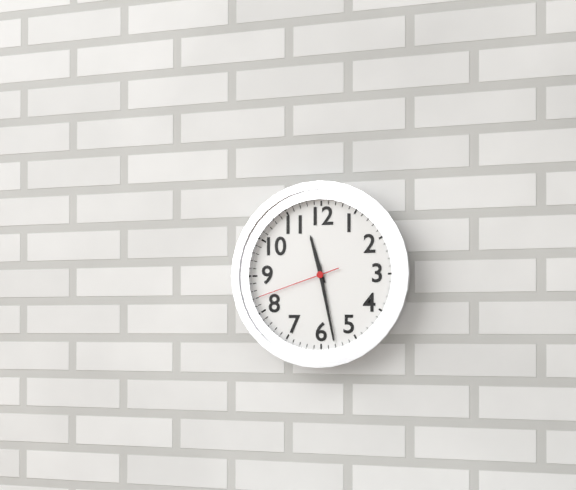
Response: 11:28:42
